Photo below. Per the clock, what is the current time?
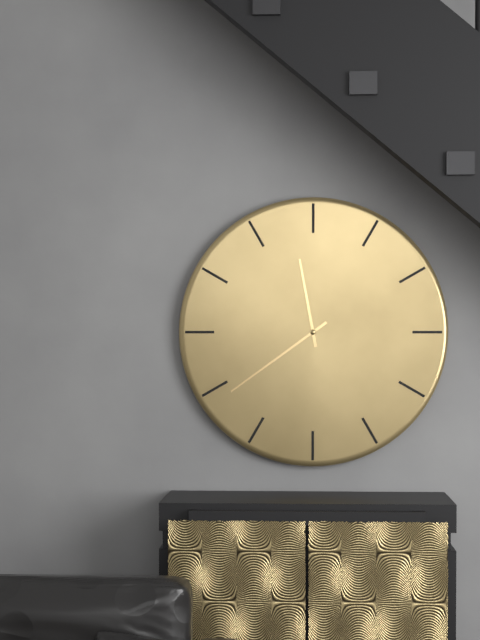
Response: 11:39
